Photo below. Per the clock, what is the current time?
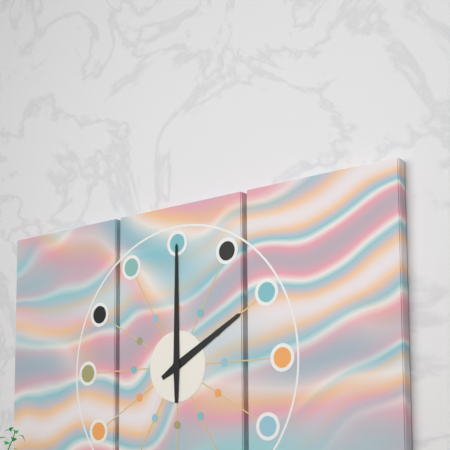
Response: 2:00
